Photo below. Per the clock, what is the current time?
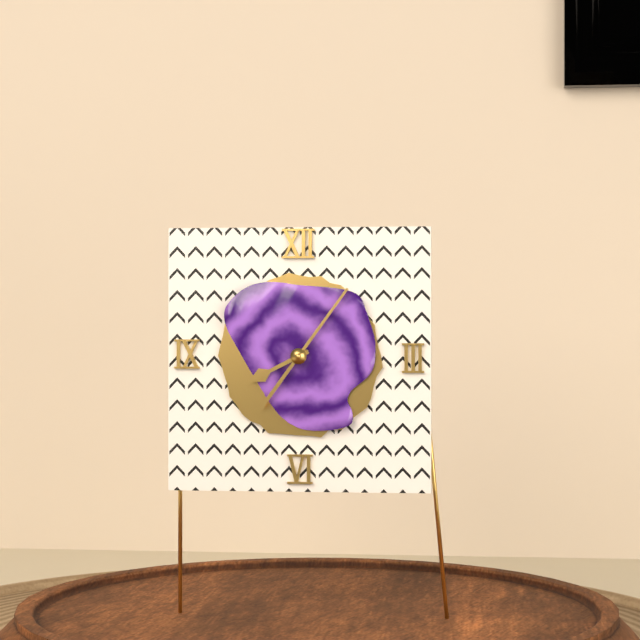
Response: 8:06
